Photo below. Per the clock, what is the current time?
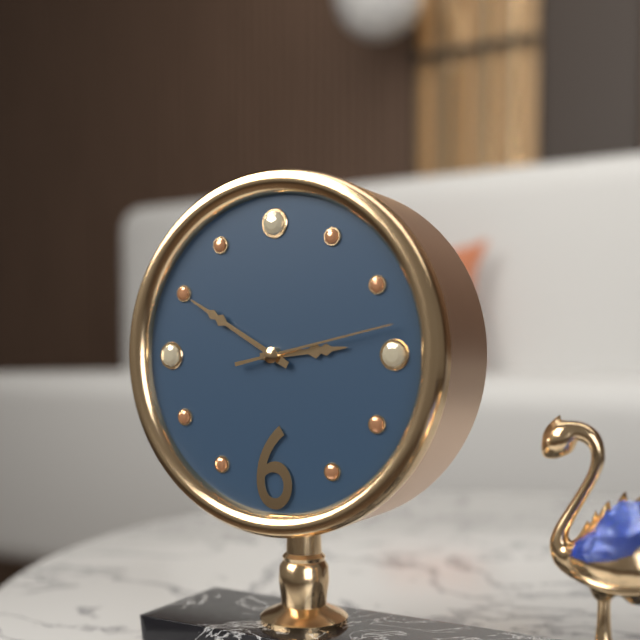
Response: 2:50:13
